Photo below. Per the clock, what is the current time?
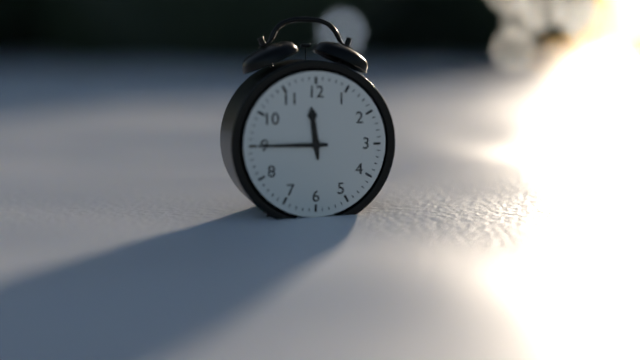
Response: 11:45
